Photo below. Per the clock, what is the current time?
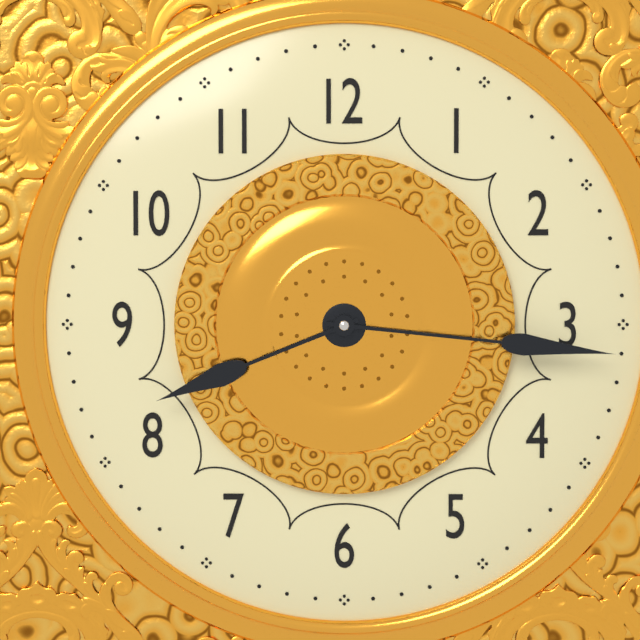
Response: 8:16
